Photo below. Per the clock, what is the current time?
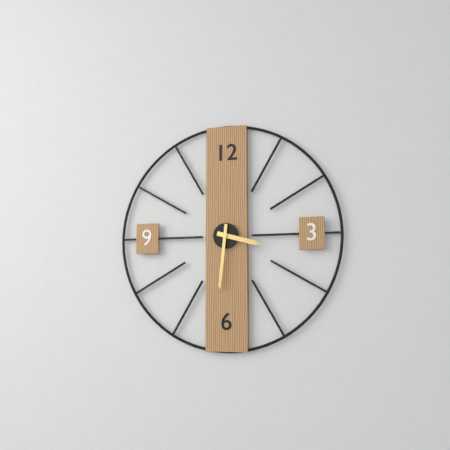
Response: 3:31
